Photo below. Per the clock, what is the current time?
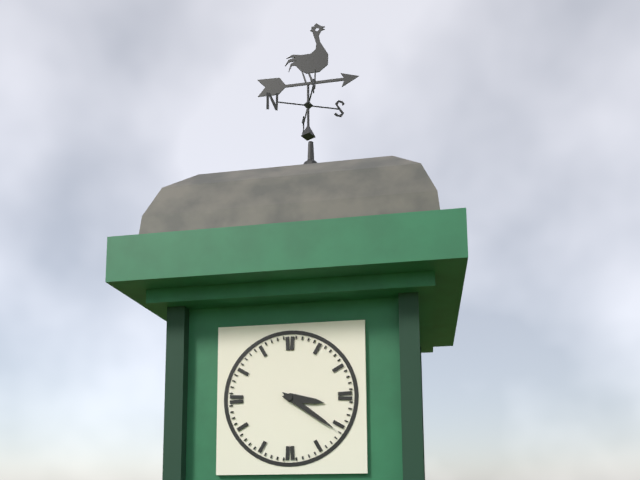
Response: 3:21
